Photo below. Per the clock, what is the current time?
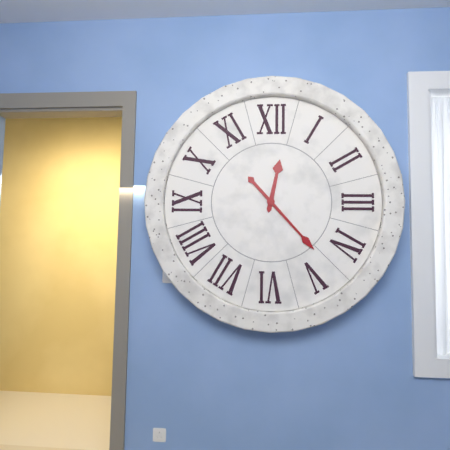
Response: 12:23
